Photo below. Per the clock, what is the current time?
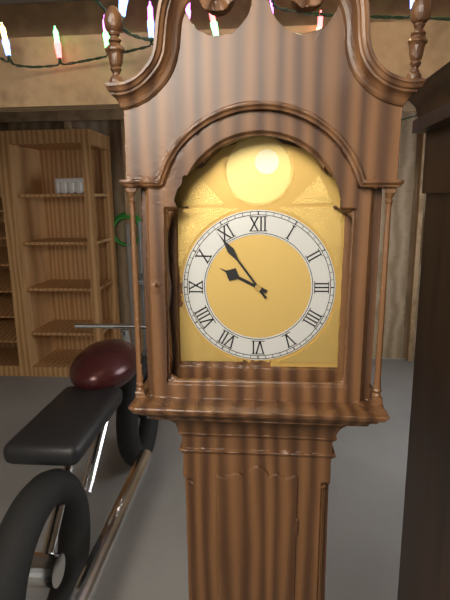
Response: 9:54
